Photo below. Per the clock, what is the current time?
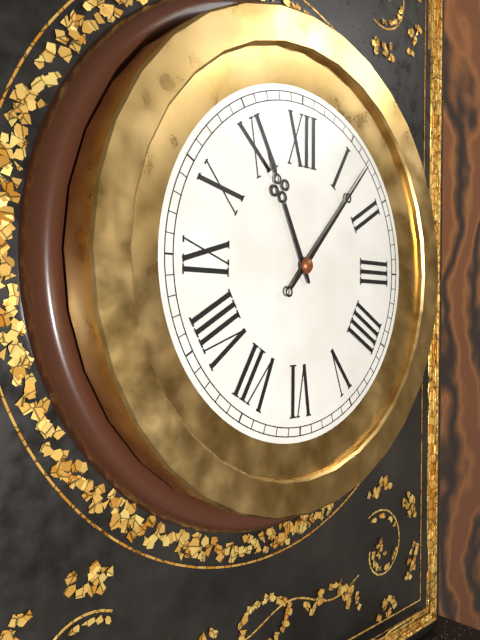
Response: 11:07
